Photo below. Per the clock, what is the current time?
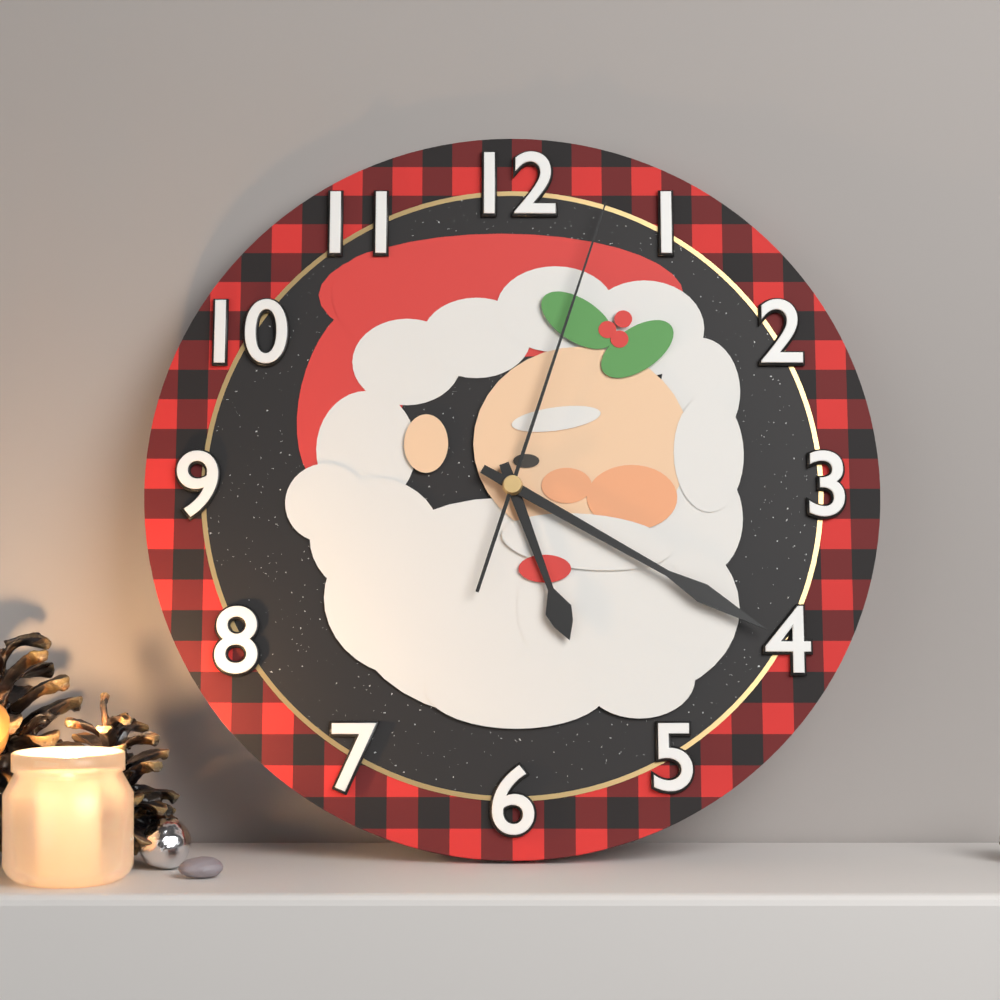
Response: 5:20:03
